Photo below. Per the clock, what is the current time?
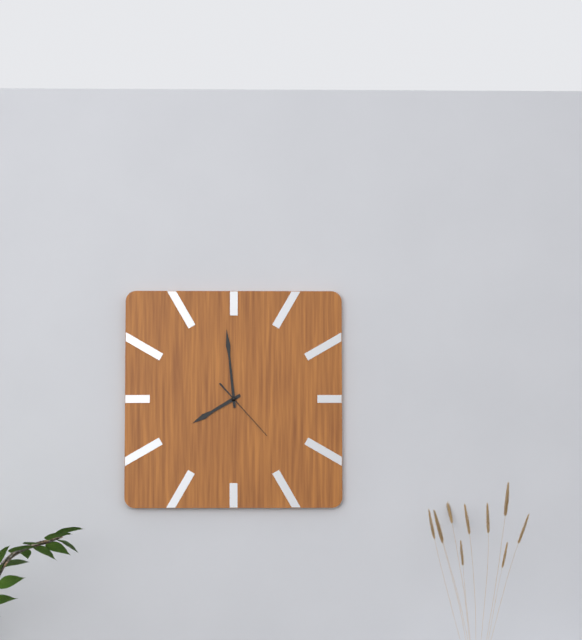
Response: 7:59:23
